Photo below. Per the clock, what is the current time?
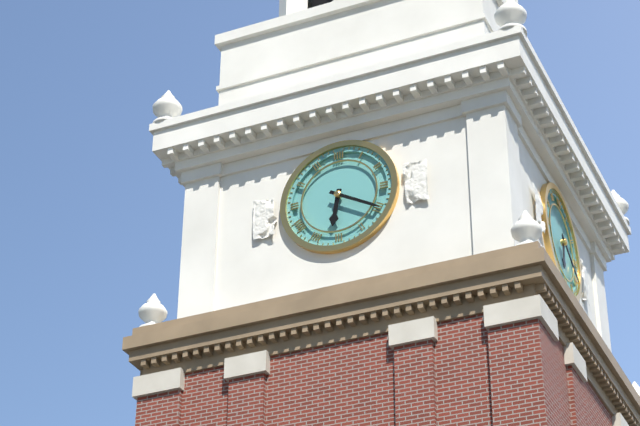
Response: 6:20
